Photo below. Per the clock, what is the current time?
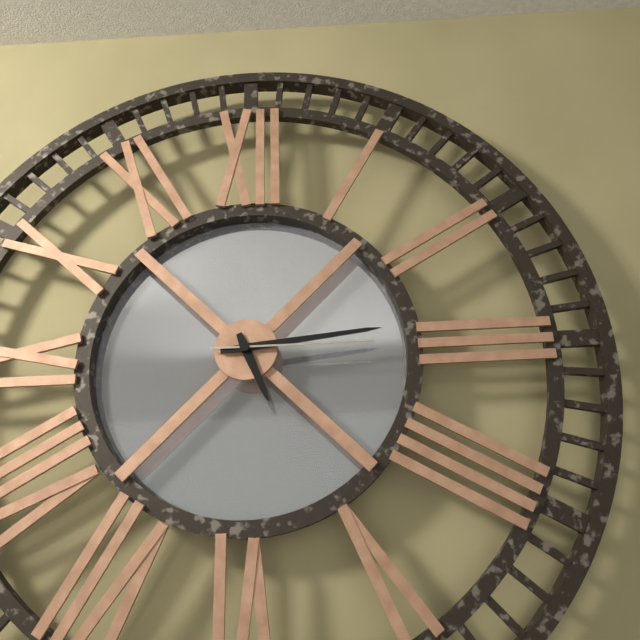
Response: 5:14:15
